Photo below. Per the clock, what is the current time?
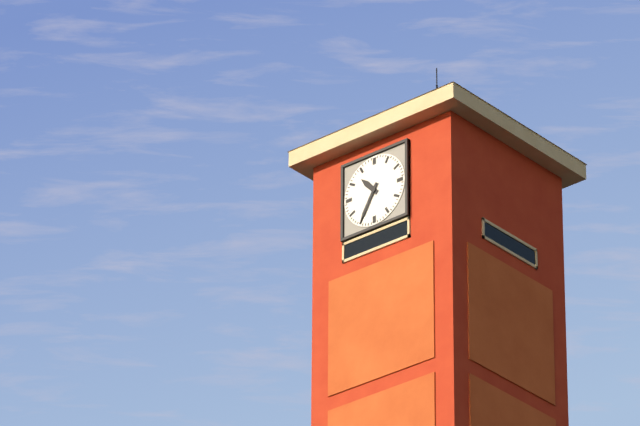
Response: 10:35
